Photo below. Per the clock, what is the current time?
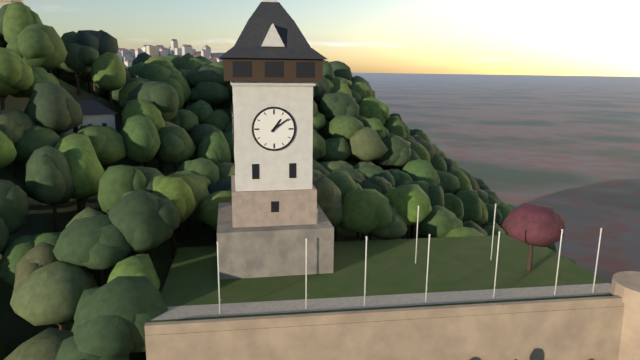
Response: 1:09
